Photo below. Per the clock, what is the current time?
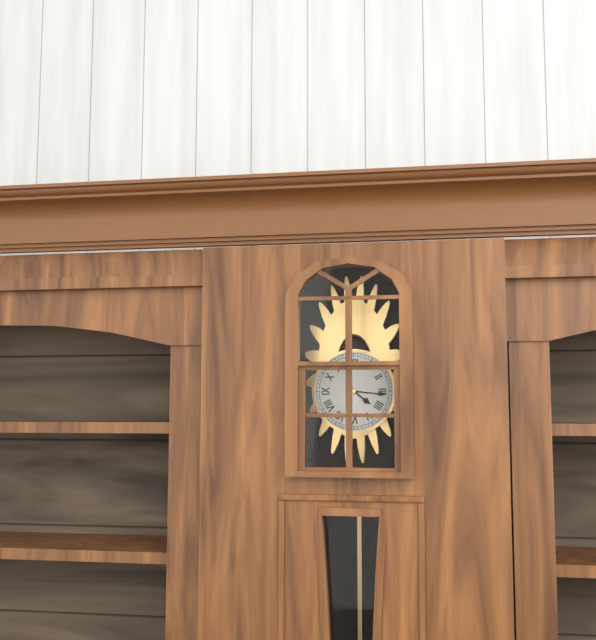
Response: 4:16
